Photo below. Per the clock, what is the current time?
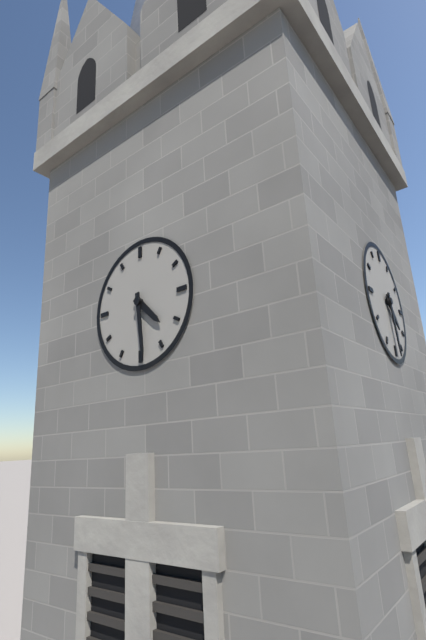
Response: 4:29
